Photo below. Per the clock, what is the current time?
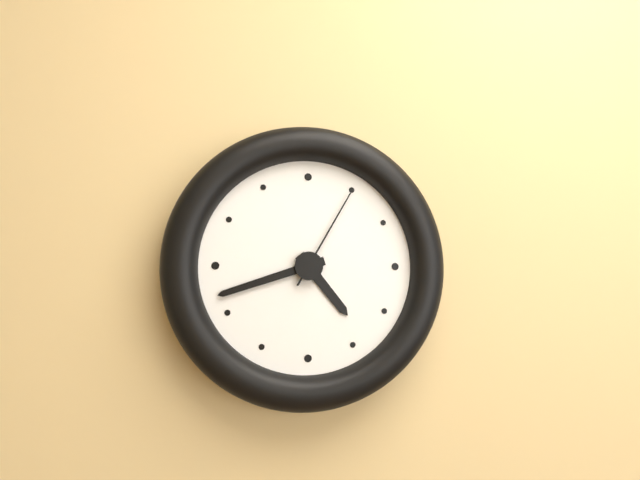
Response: 4:42:05
